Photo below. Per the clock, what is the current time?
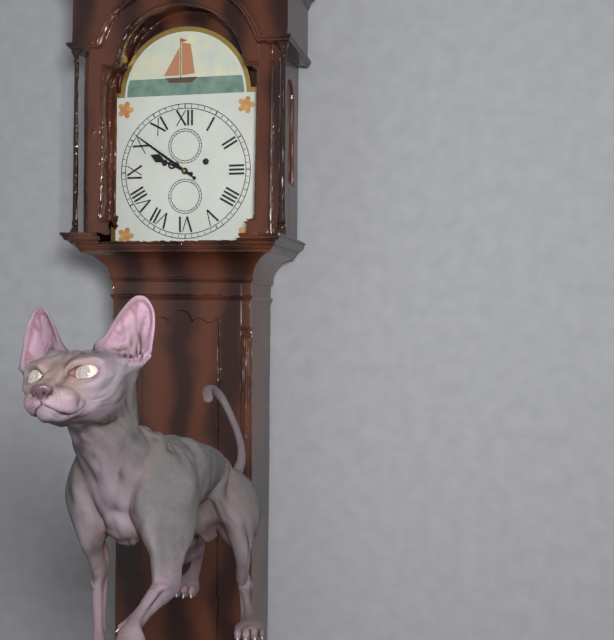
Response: 9:51
